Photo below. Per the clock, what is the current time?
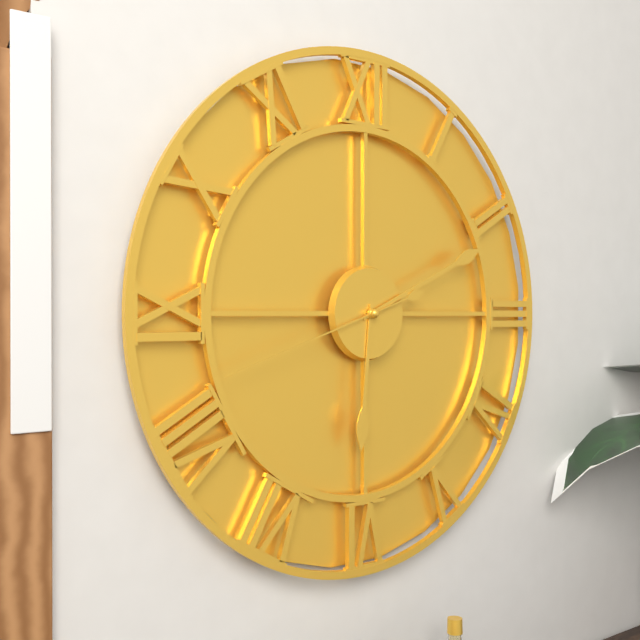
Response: 6:11:42
